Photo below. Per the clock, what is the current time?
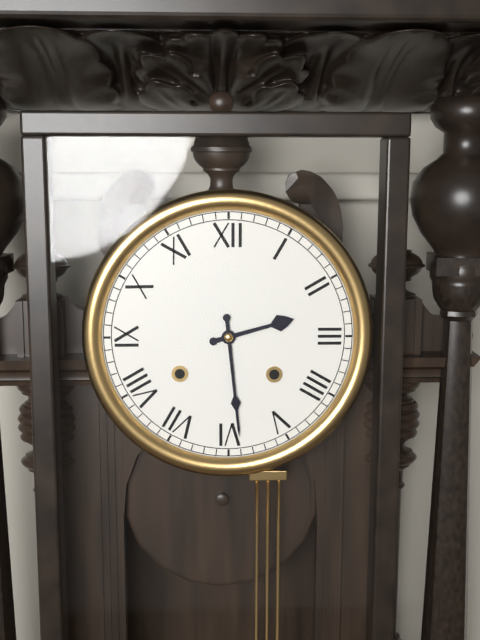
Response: 2:29
